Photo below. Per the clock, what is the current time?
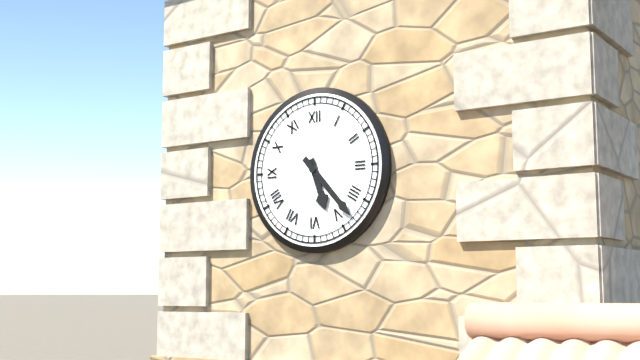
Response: 5:23
